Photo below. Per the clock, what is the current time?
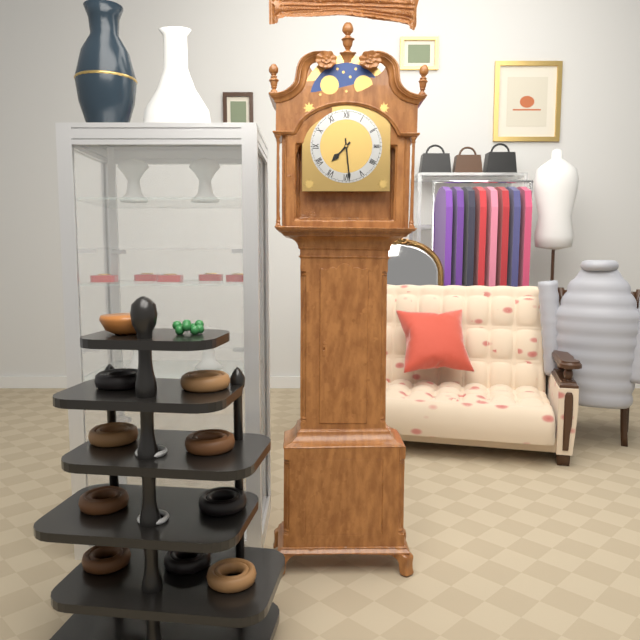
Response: 7:29
